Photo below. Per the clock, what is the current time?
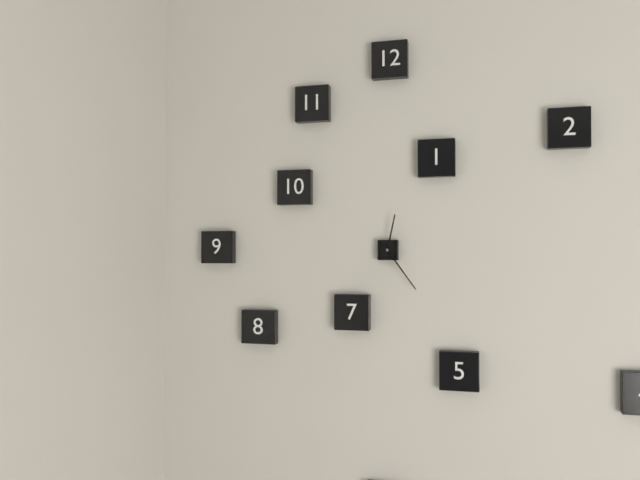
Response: 12:24
